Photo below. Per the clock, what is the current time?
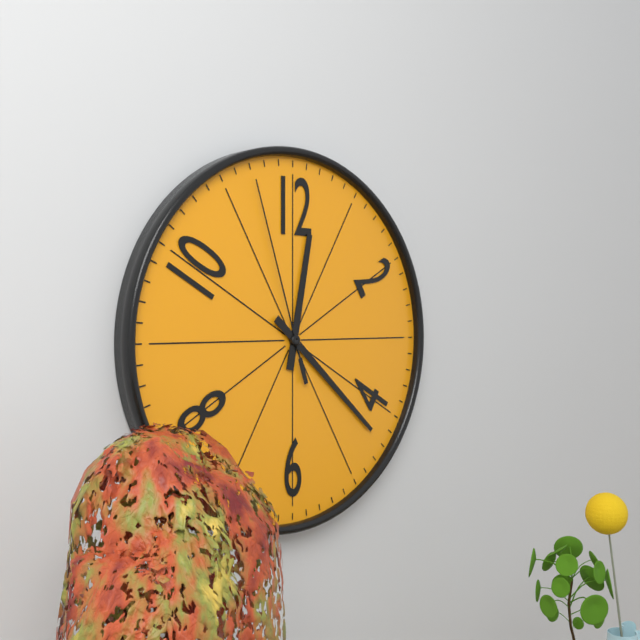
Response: 12:22:57
